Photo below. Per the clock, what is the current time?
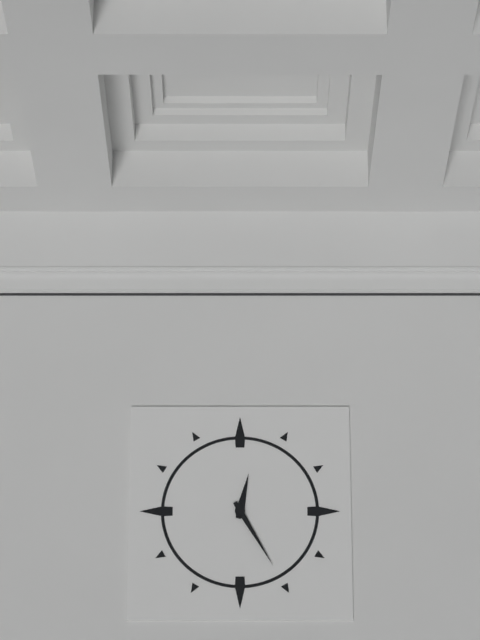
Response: 12:25
